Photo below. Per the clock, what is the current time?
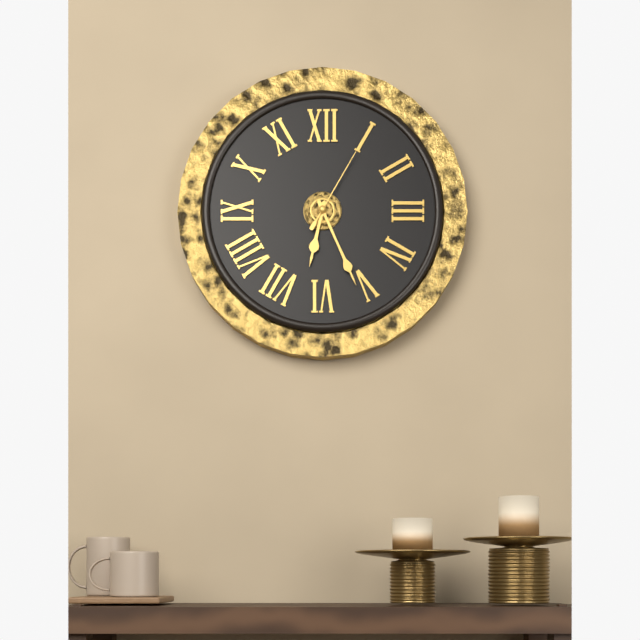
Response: 6:26:05
